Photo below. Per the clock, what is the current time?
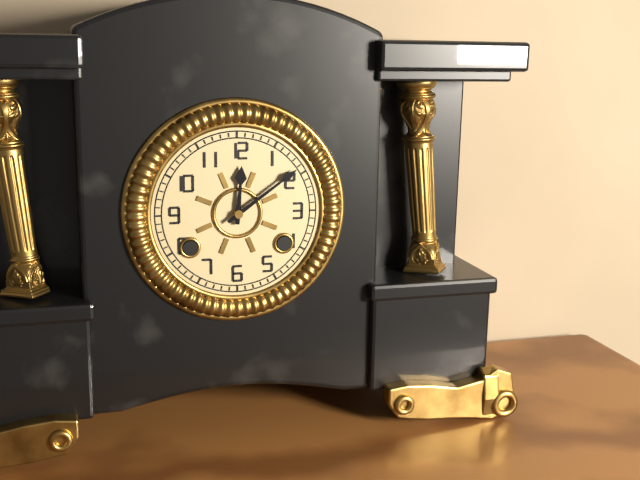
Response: 12:09
